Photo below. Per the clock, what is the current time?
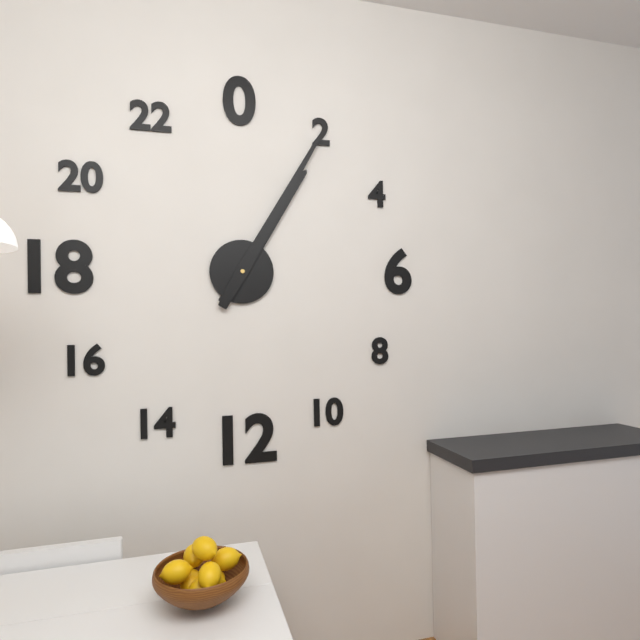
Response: 1:05
